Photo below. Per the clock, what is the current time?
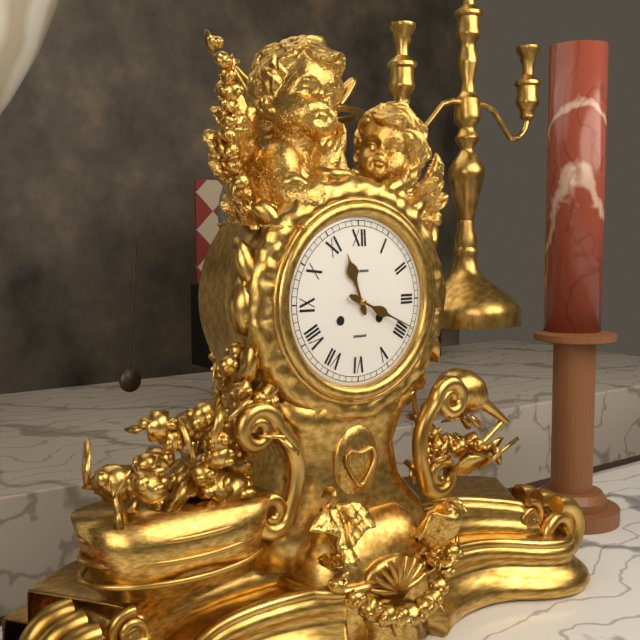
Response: 11:19
